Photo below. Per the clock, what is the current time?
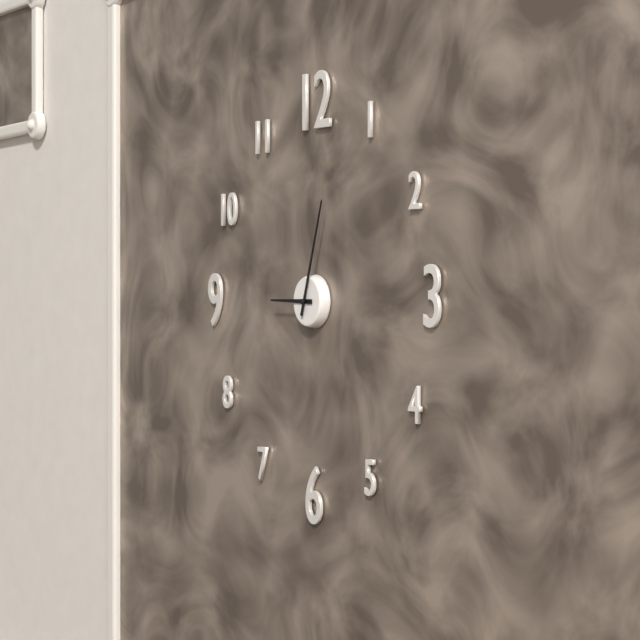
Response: 9:03
